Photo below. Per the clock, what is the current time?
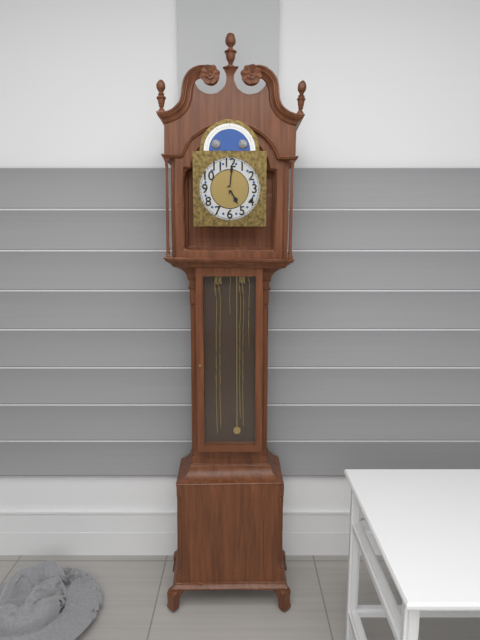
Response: 5:01
